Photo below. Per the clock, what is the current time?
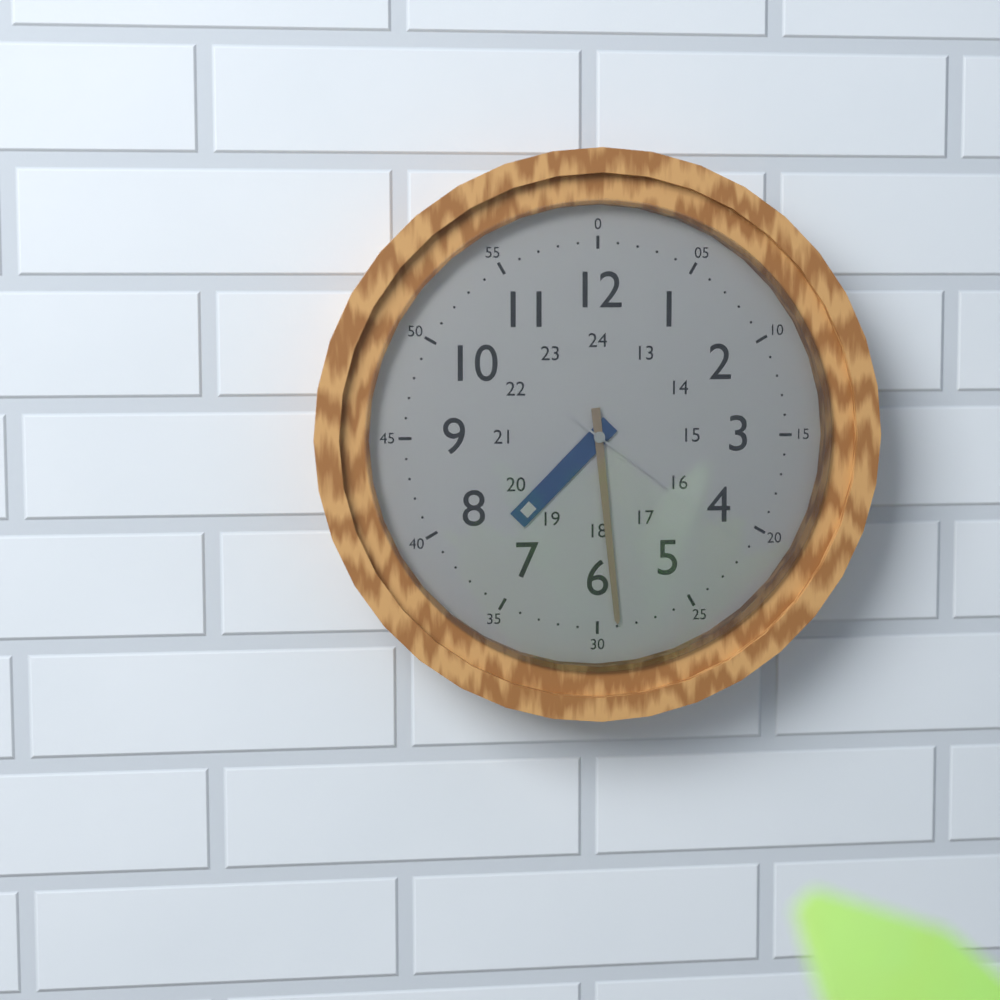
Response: 7:29:21
